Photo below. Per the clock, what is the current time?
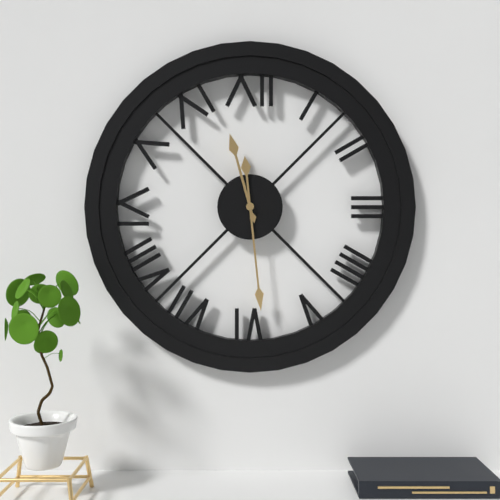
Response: 11:29
